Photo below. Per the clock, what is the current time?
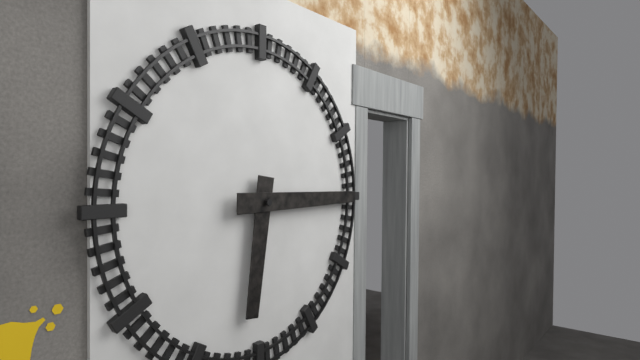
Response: 6:15
